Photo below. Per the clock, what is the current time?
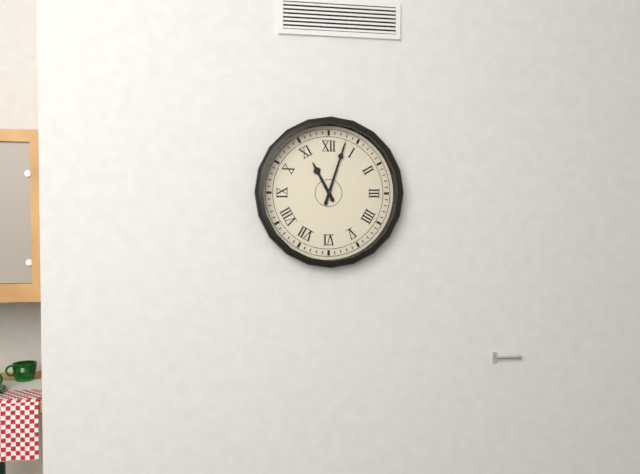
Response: 11:03
